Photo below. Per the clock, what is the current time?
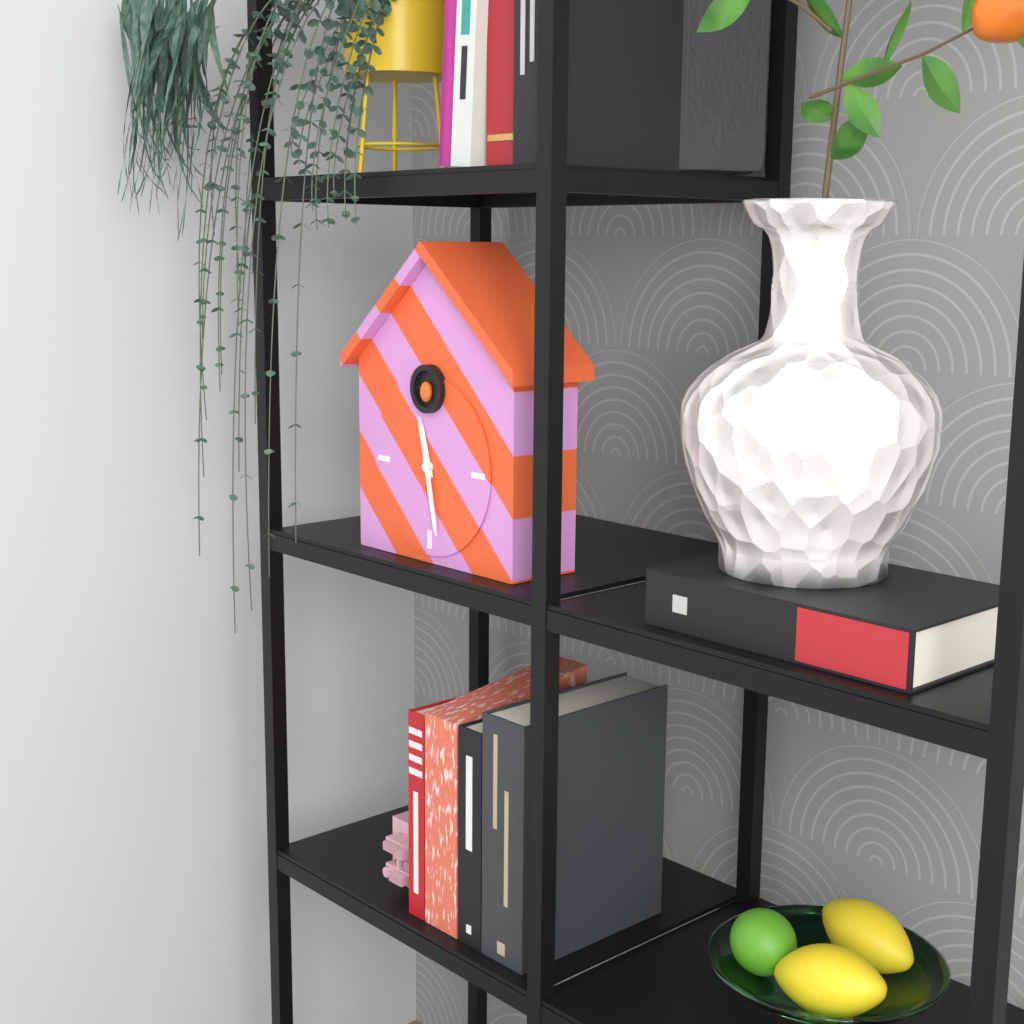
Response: 11:28
